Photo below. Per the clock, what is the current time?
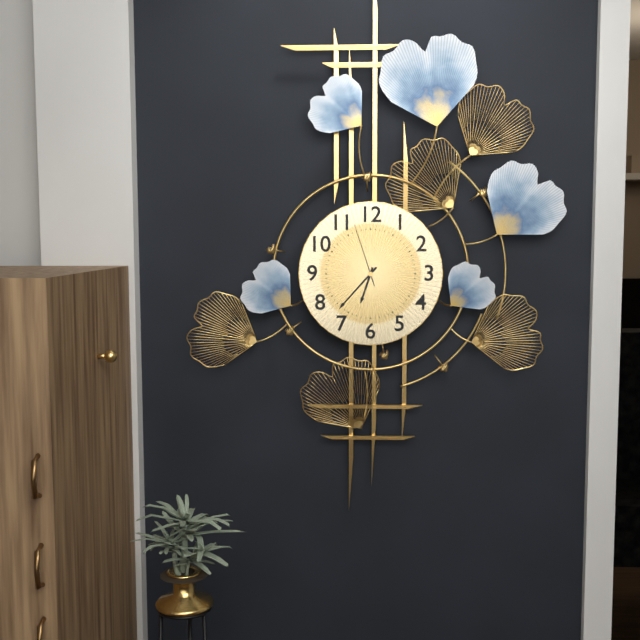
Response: 6:37:57
